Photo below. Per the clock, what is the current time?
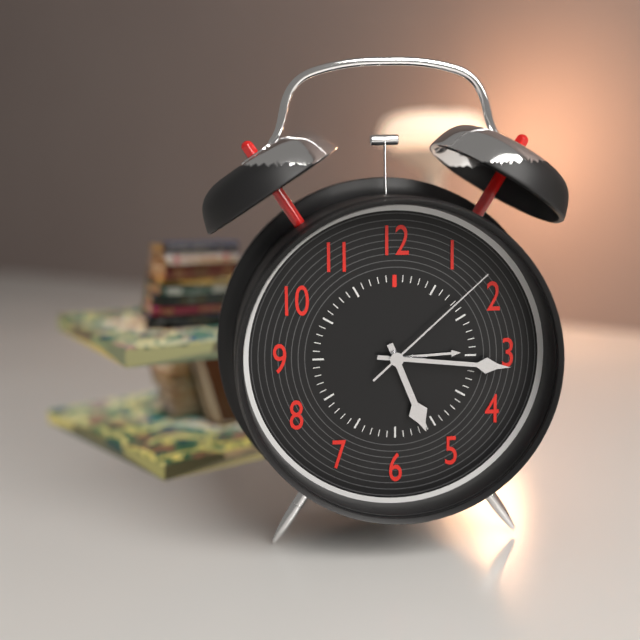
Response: 5:16:08
